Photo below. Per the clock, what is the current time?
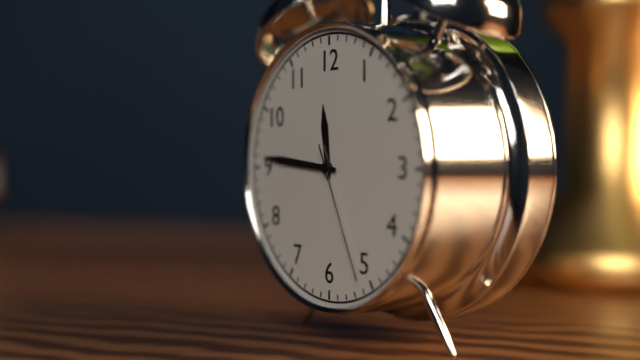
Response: 11:46:26
